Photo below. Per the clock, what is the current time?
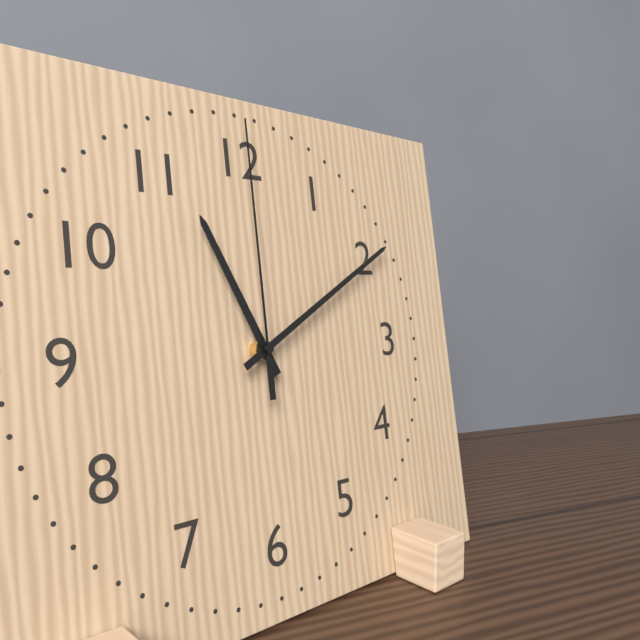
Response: 11:10:00
